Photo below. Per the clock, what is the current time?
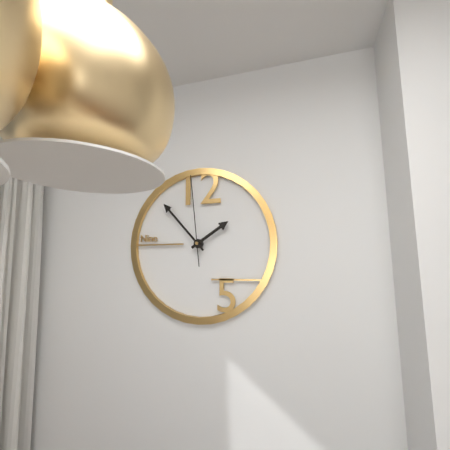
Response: 1:53:59
